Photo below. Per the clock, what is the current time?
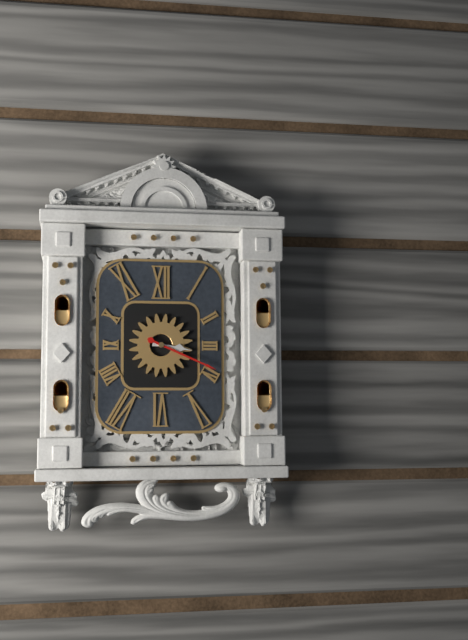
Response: 3:19
